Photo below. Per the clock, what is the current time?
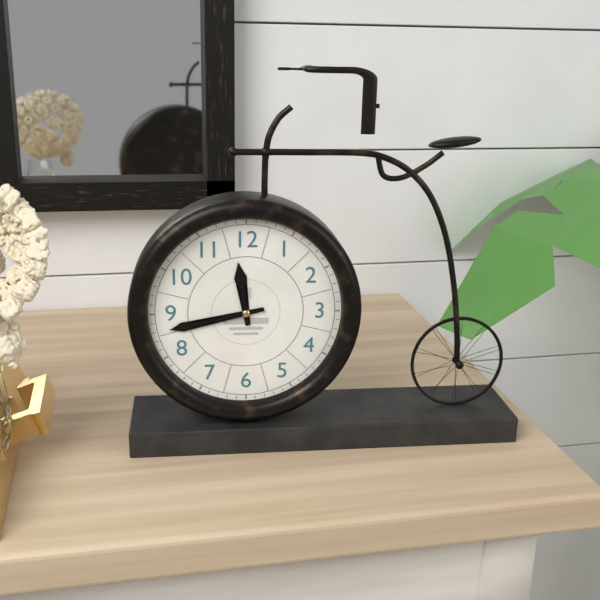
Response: 11:43
